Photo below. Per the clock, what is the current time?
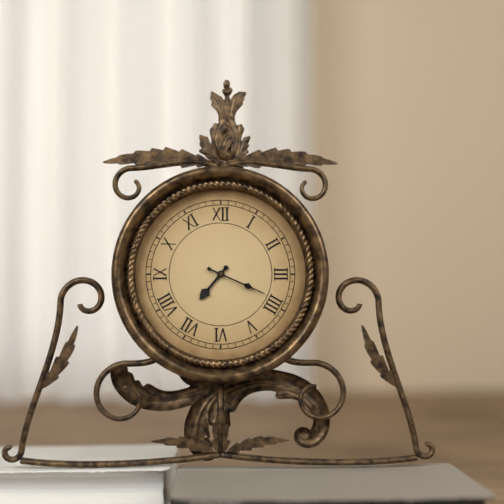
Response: 7:19
